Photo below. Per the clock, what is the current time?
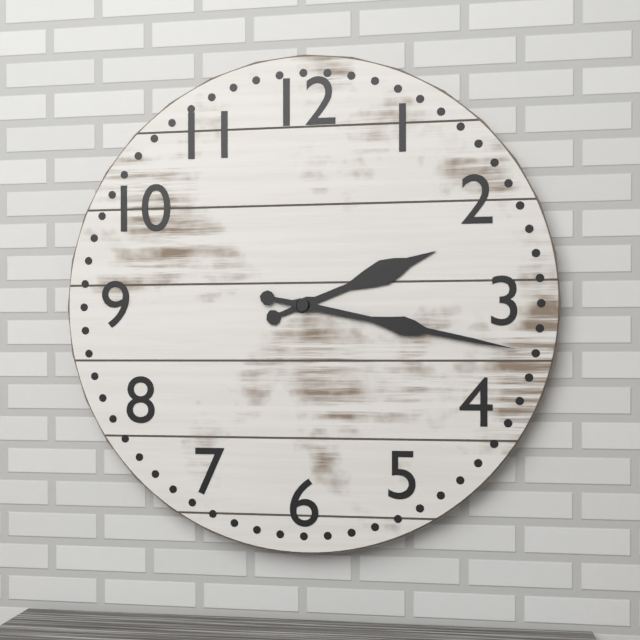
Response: 2:17
